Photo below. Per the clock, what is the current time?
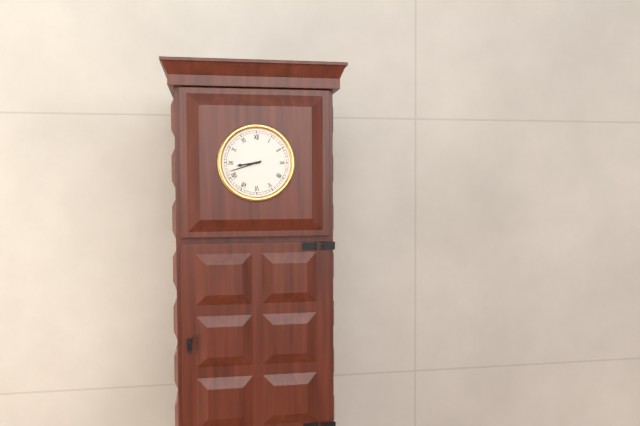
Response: 8:42
